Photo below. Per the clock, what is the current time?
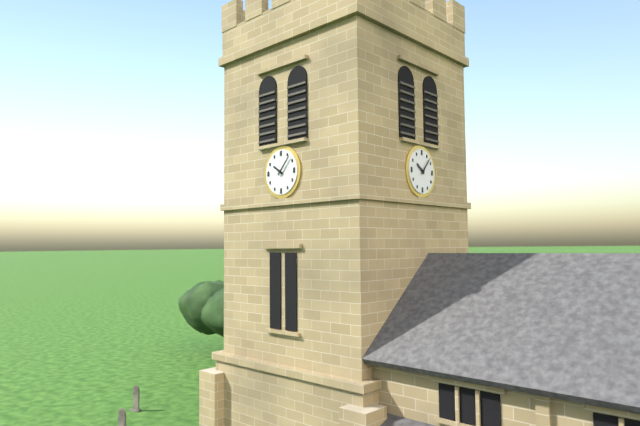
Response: 10:07
